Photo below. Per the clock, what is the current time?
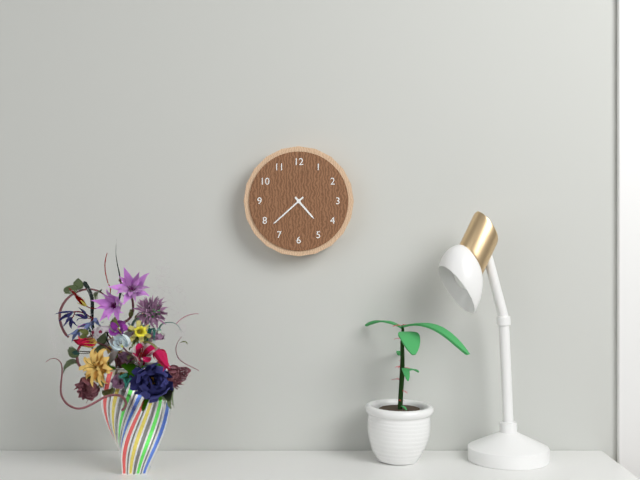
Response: 4:38
